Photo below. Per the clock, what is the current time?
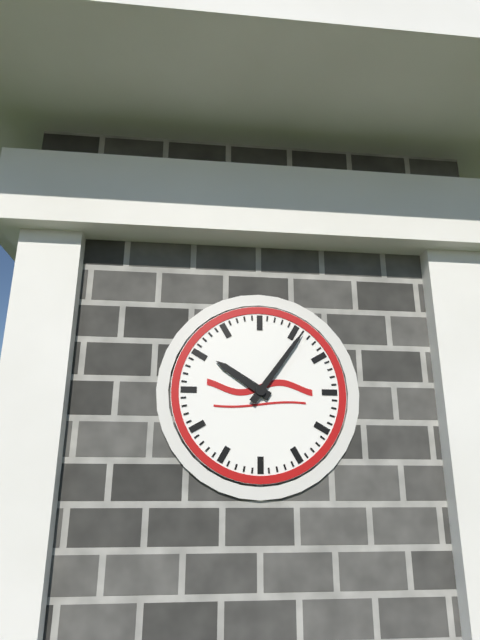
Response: 10:06
